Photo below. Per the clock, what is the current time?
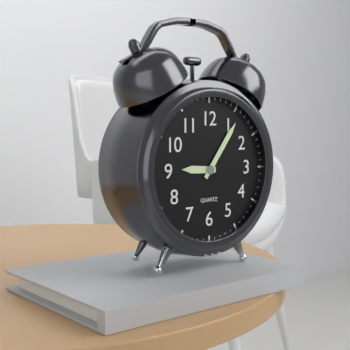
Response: 9:06
